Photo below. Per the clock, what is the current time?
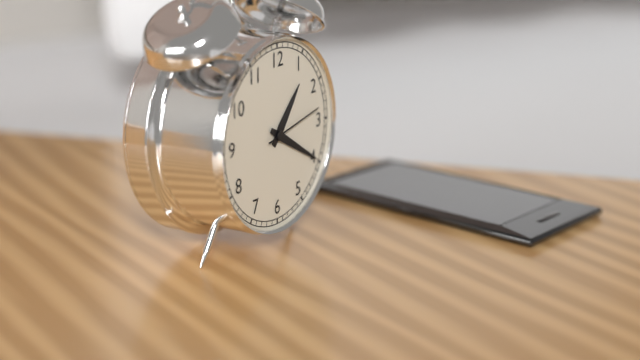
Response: 1:20:13
